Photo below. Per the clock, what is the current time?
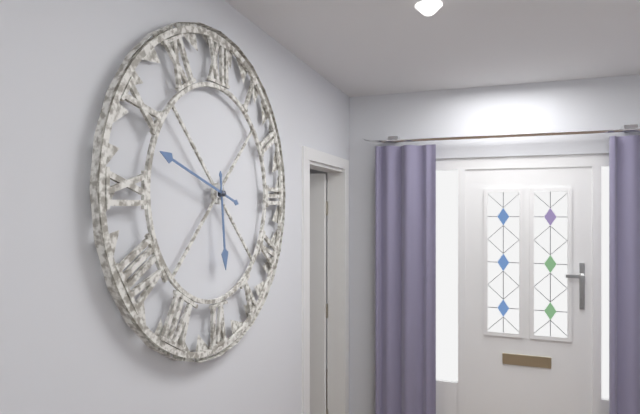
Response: 5:48
